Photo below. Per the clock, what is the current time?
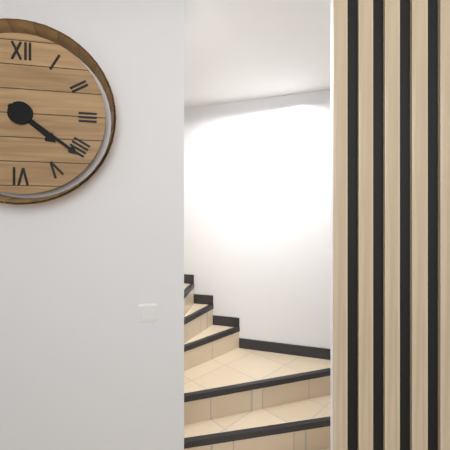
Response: 4:21
